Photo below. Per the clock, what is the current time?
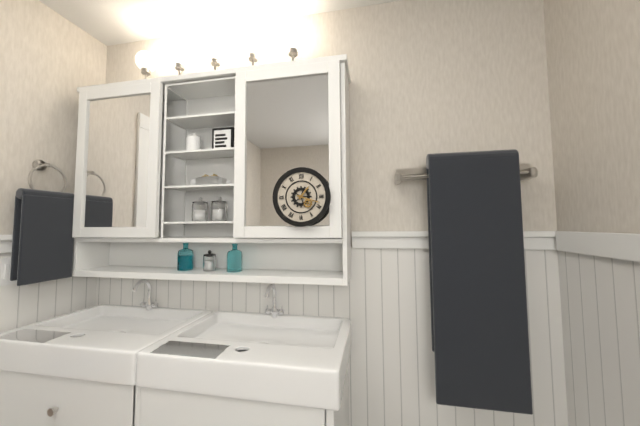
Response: 1:18
